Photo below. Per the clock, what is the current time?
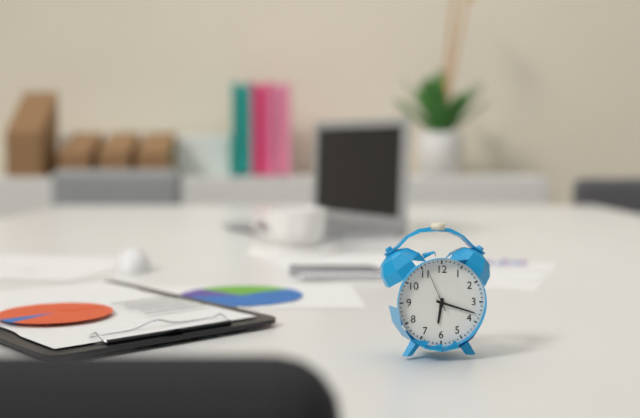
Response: 6:18
